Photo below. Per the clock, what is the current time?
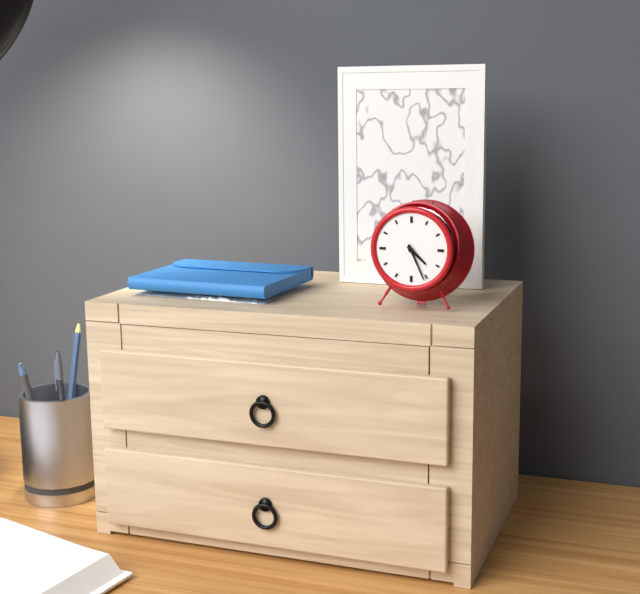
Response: 4:26
